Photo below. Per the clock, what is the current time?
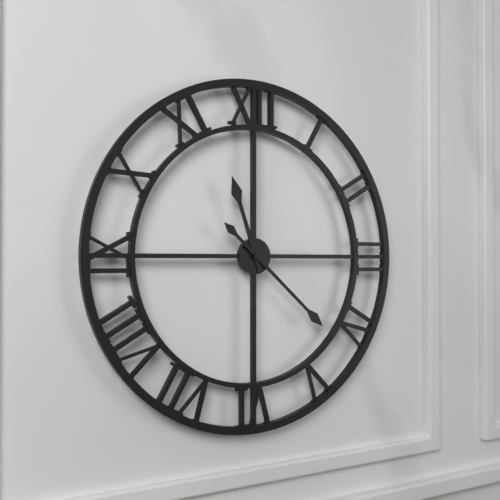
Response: 11:22
